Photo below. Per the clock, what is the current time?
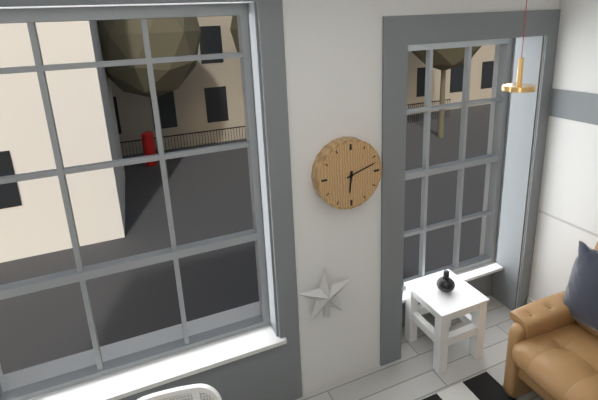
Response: 6:12
